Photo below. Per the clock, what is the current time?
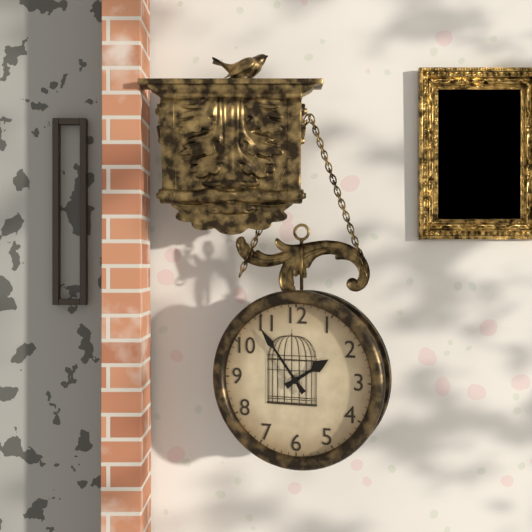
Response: 1:54
